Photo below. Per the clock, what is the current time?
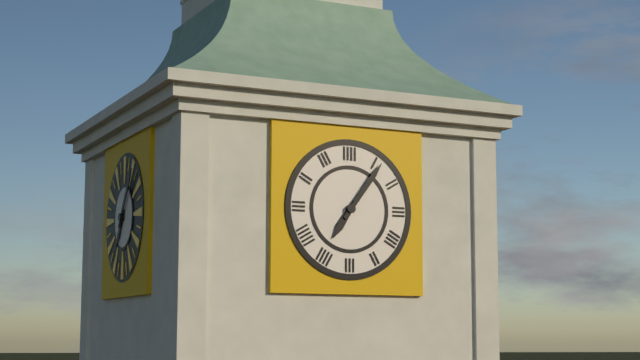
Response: 7:06
